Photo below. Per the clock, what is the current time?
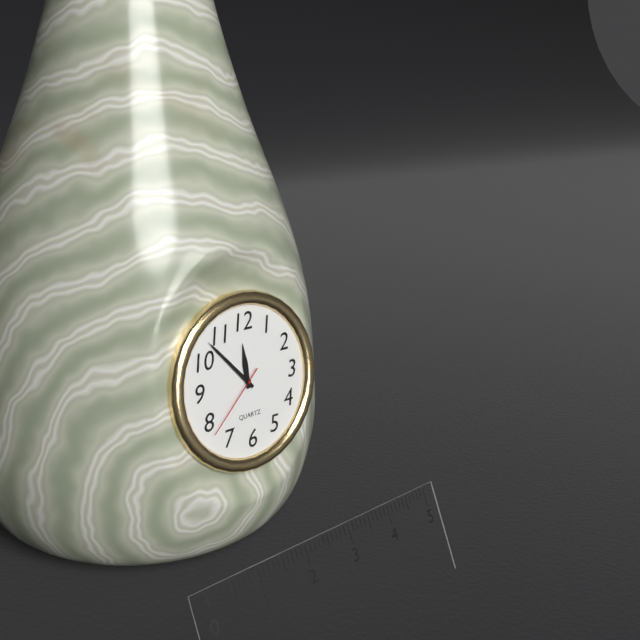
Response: 11:53:38
